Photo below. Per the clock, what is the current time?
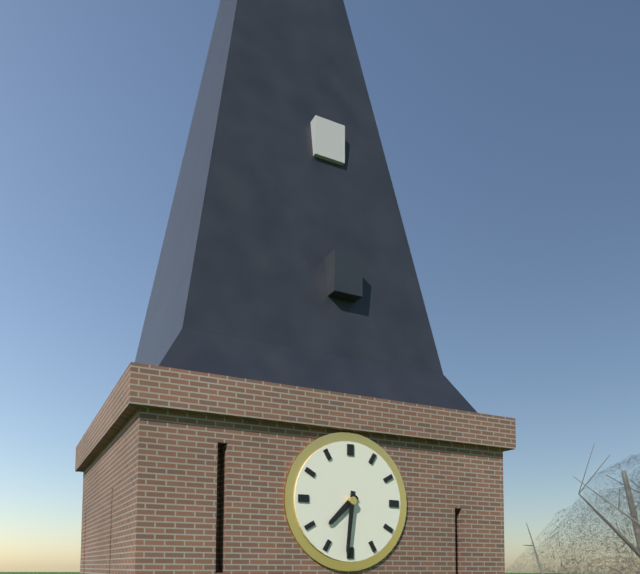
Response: 7:31
